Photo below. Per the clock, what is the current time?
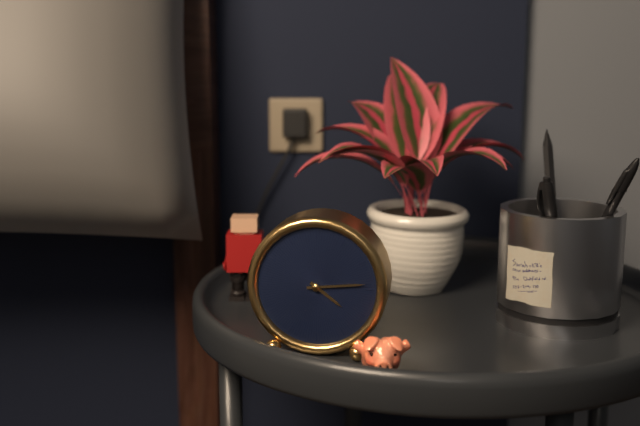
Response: 4:14
